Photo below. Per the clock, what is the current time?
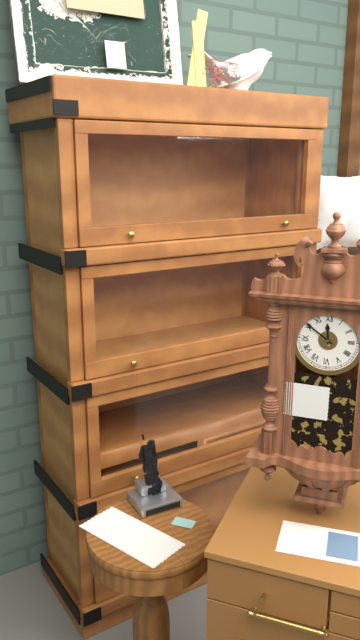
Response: 11:51
